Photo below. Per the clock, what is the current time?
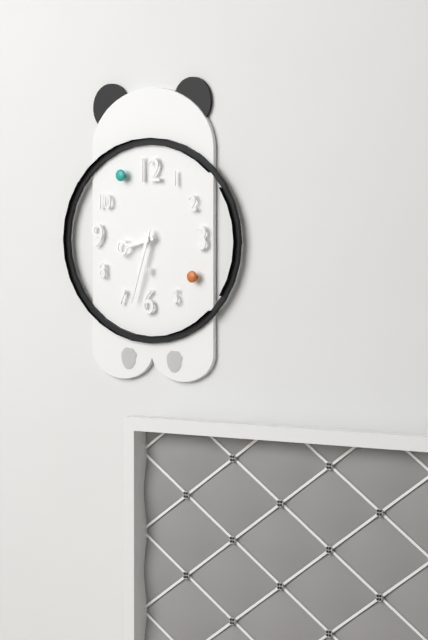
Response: 8:33
